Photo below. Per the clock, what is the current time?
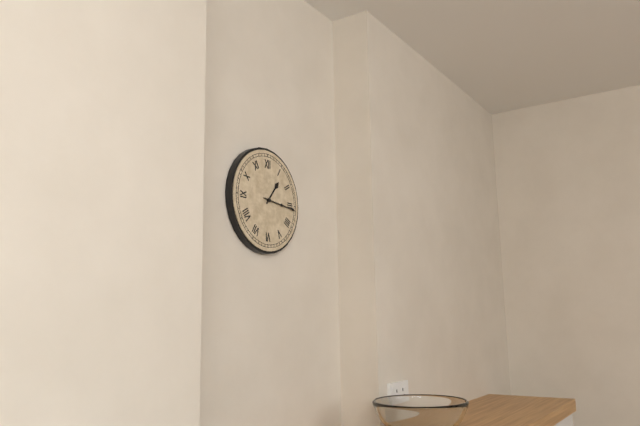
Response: 1:16
